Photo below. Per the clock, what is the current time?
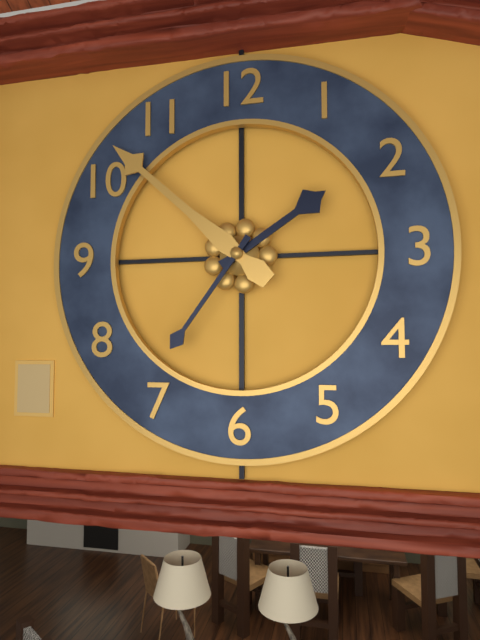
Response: 1:52:36
